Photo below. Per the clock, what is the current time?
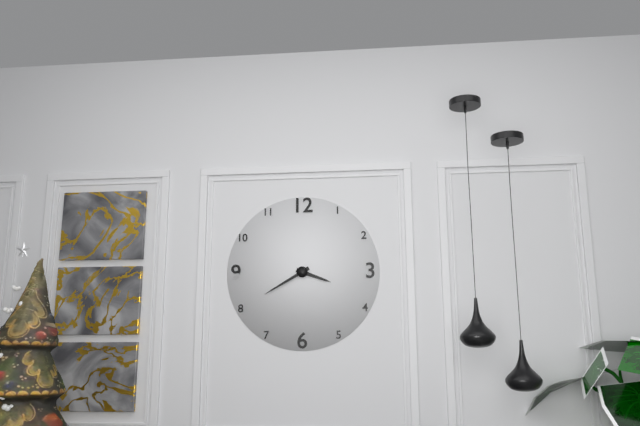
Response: 3:40
